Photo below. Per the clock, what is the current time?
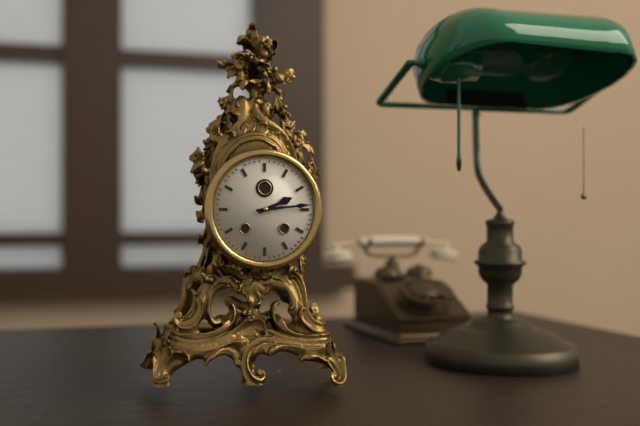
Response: 2:14
